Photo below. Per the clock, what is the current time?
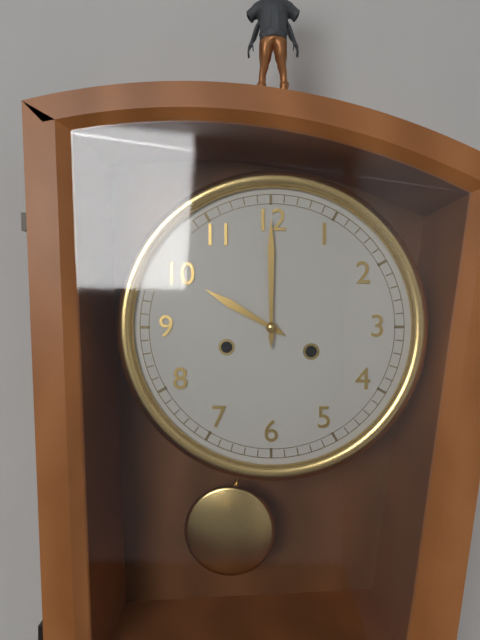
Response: 10:00
